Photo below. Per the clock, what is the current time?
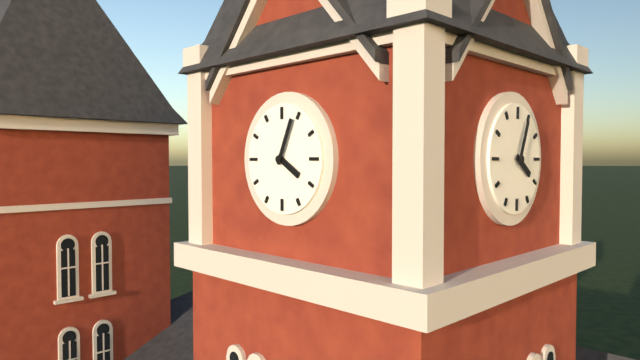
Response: 4:04
